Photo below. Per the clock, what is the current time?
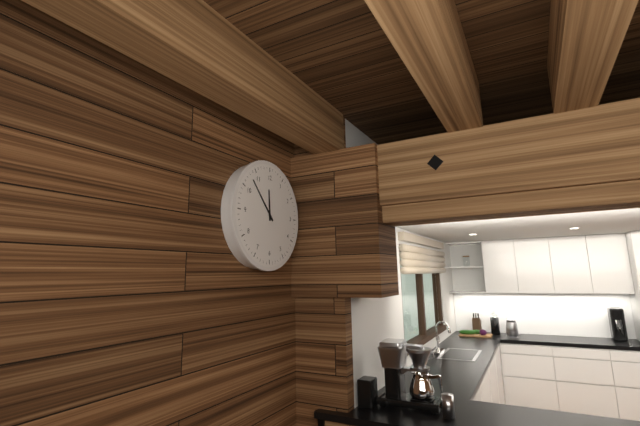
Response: 11:53
